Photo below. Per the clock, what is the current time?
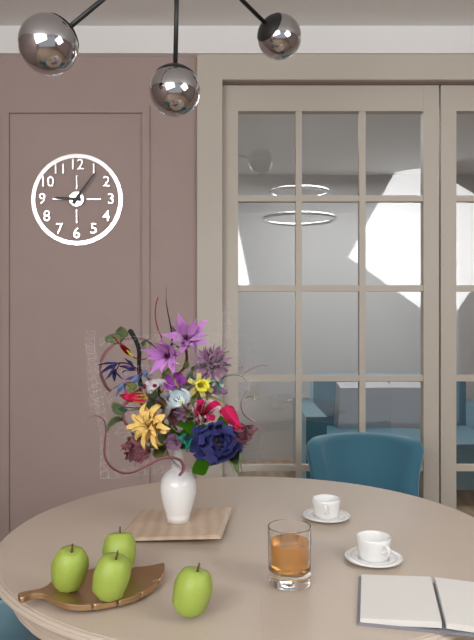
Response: 9:06
